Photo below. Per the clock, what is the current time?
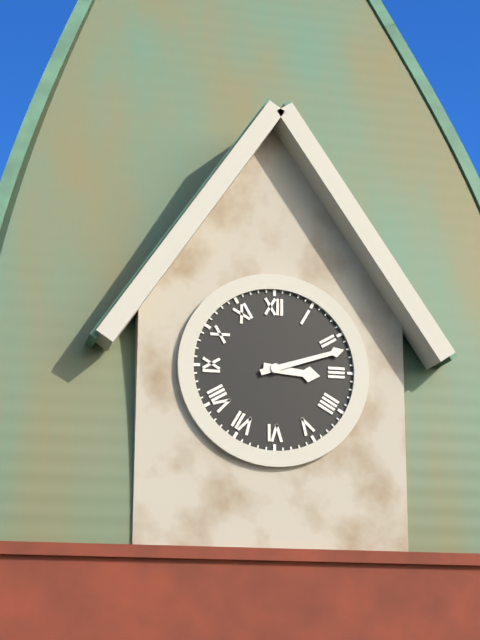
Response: 3:12
